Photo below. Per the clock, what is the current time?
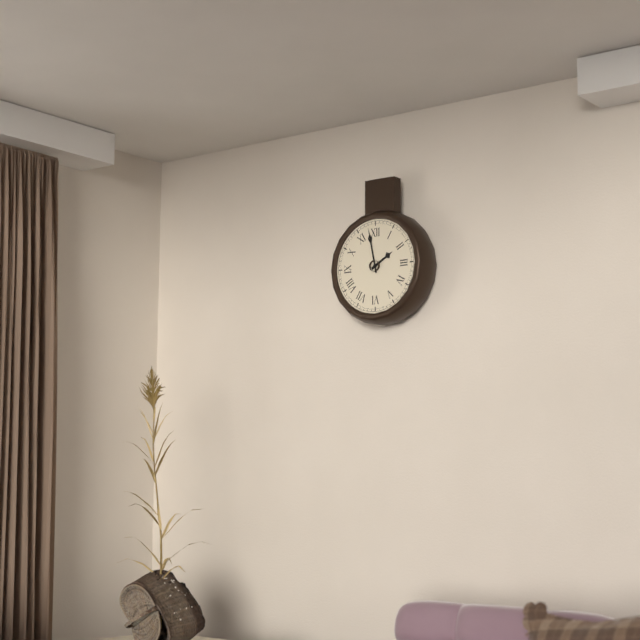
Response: 1:58
